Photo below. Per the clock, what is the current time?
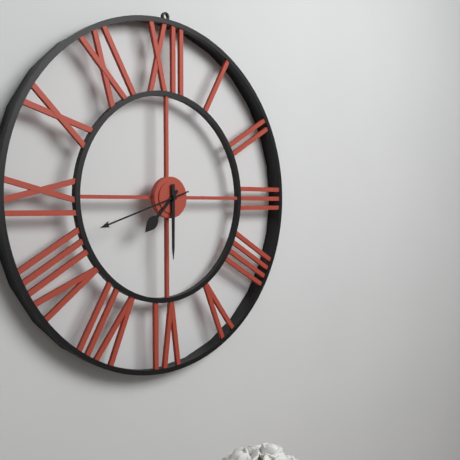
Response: 7:30:42
